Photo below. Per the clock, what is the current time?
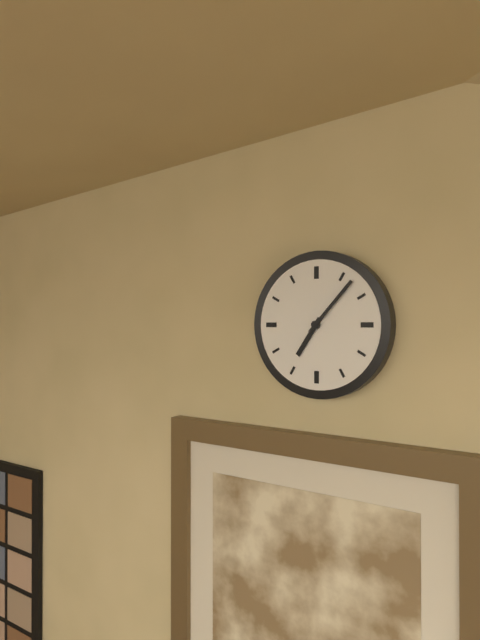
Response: 7:07
